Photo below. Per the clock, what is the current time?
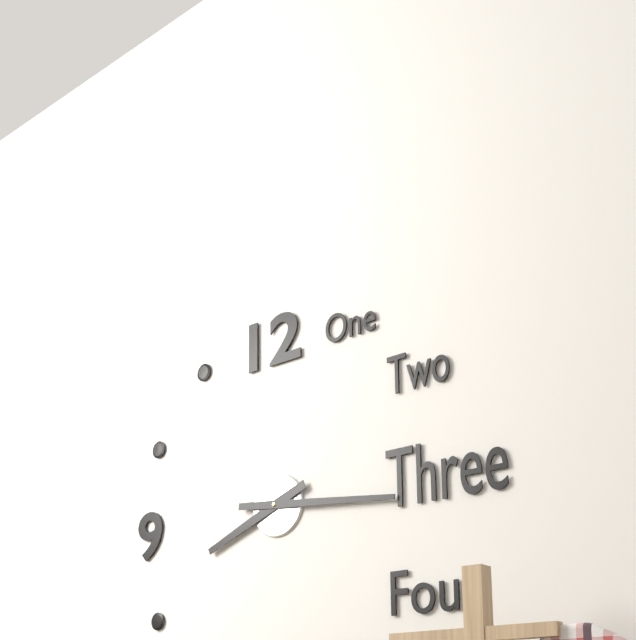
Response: 8:16
